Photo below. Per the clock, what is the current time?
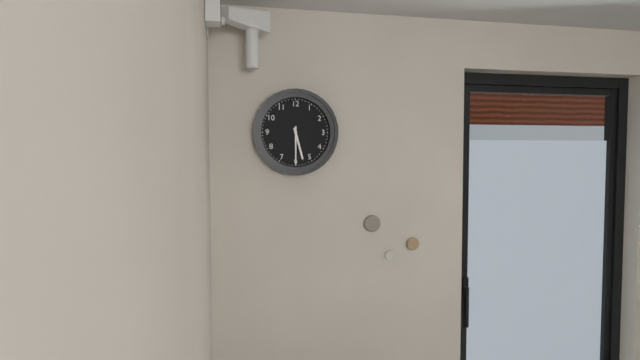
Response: 5:30
